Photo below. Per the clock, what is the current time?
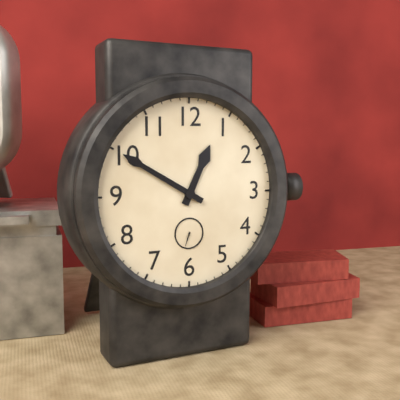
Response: 12:50
